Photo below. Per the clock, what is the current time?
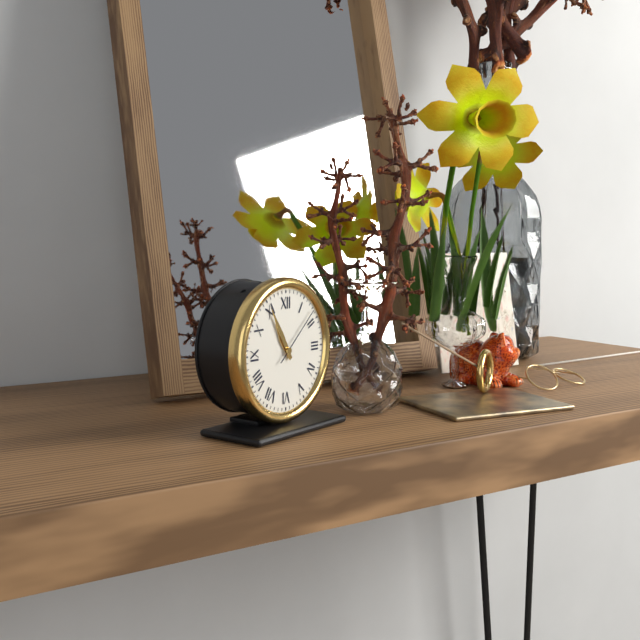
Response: 10:55:08
